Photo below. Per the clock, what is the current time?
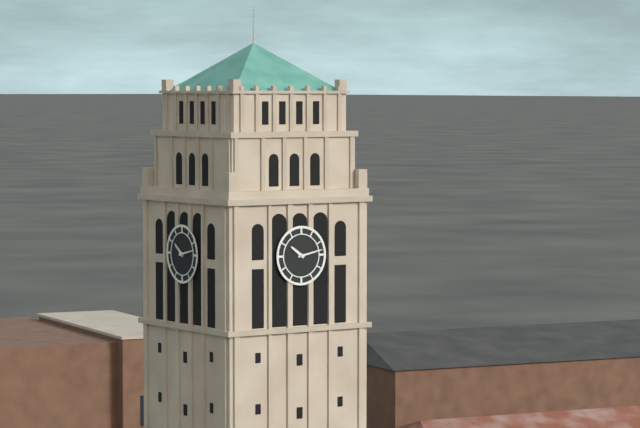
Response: 10:13
